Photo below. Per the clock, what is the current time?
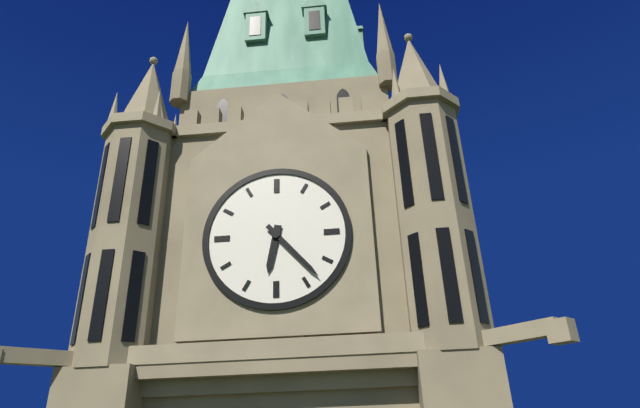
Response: 6:23
